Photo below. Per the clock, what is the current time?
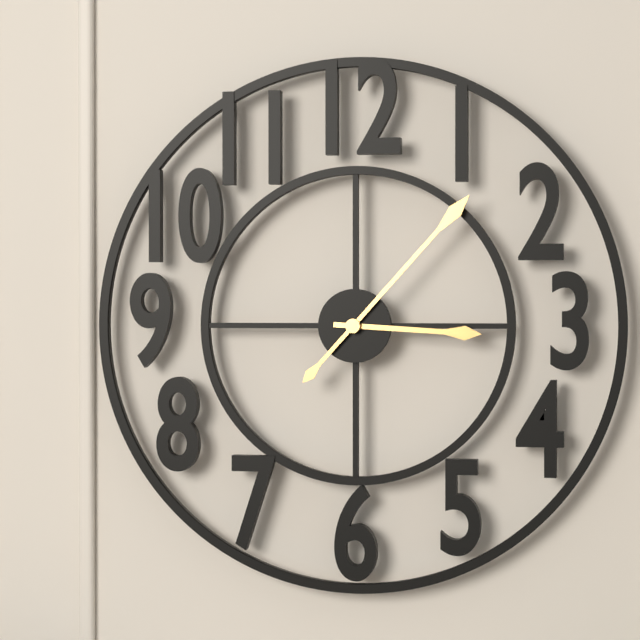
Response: 3:07
